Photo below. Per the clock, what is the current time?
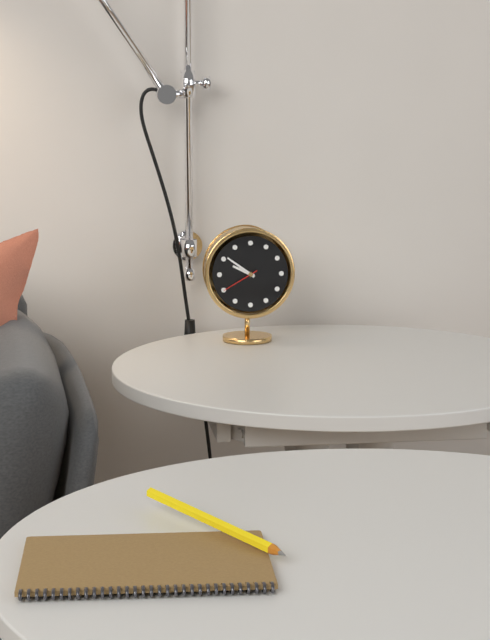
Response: 9:51
